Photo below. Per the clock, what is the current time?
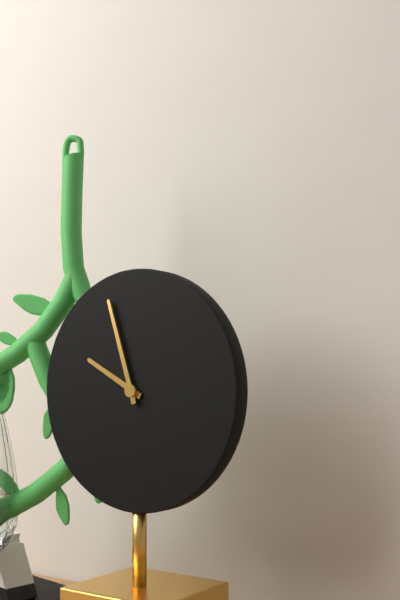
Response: 9:57
